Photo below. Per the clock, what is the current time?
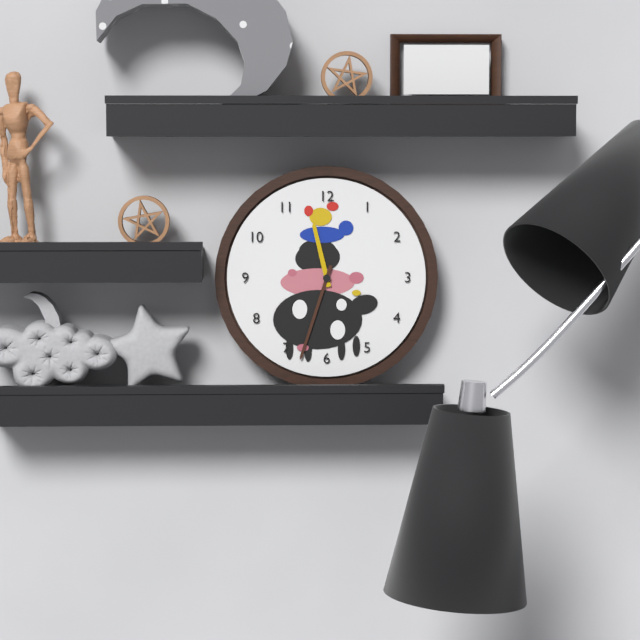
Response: 11:33
